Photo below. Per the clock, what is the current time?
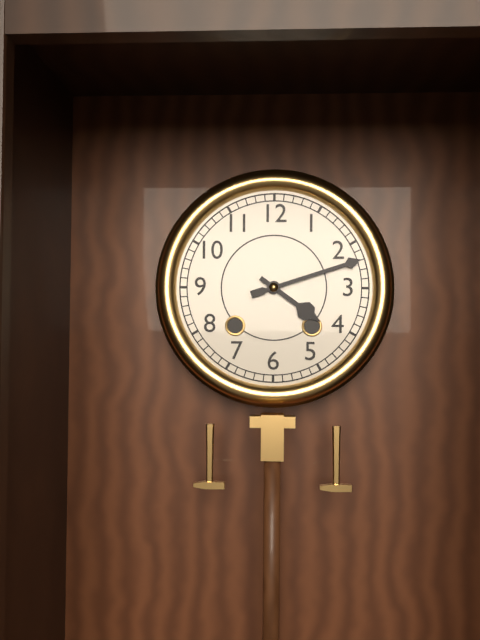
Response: 4:12
